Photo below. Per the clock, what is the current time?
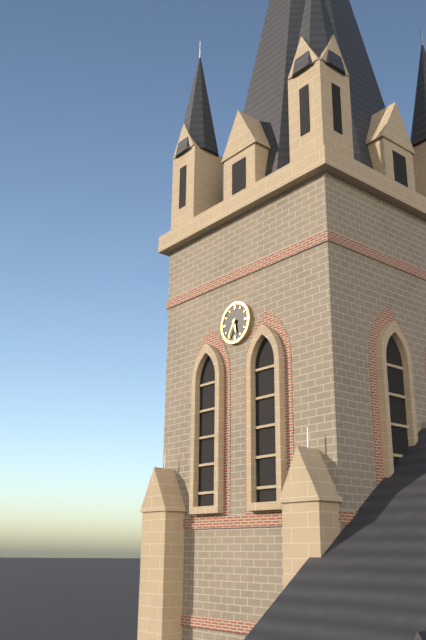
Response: 5:35
